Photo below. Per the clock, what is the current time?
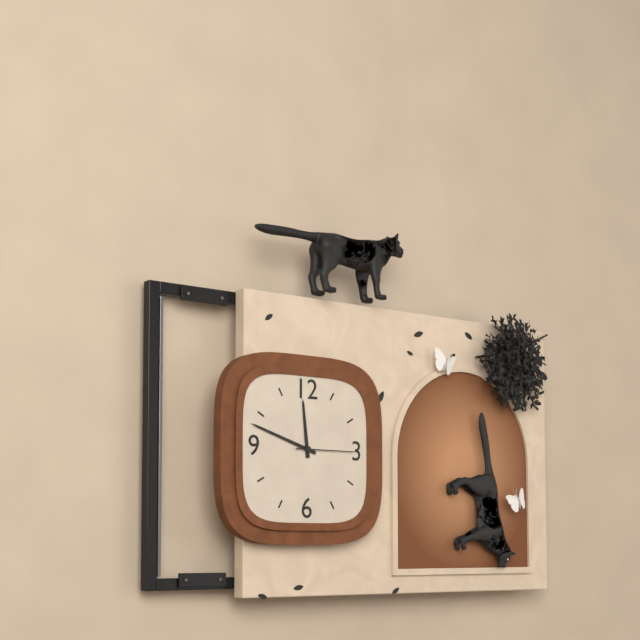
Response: 11:48:15
